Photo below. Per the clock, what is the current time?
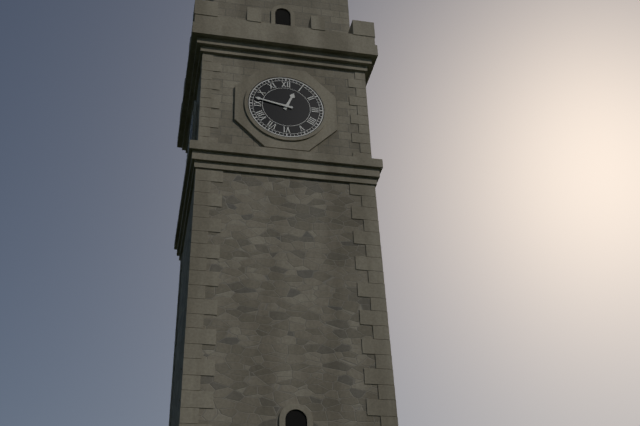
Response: 12:47
